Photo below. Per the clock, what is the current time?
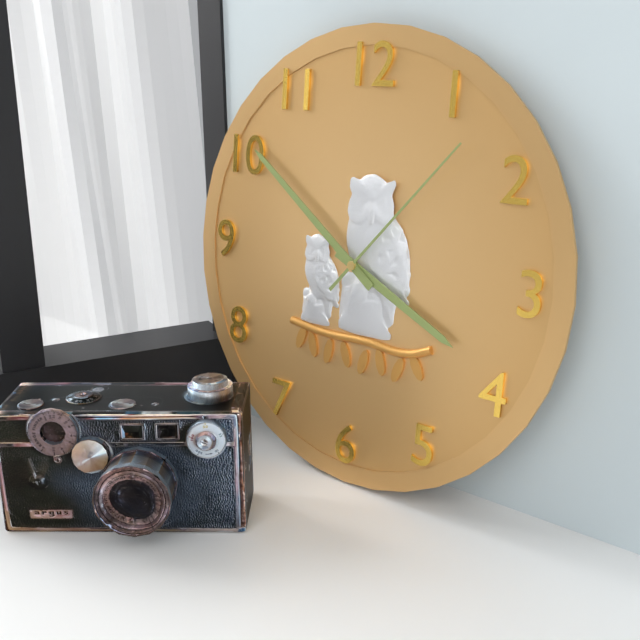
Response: 3:51:07
